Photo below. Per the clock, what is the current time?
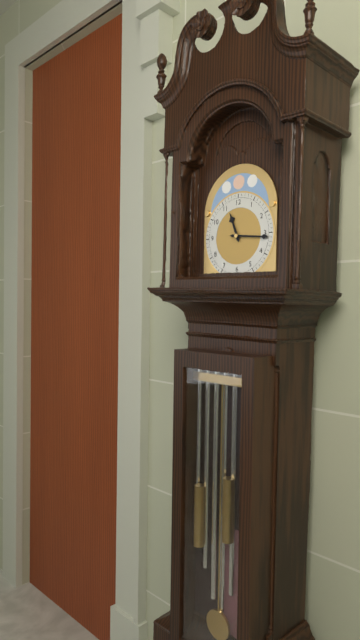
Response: 11:16
